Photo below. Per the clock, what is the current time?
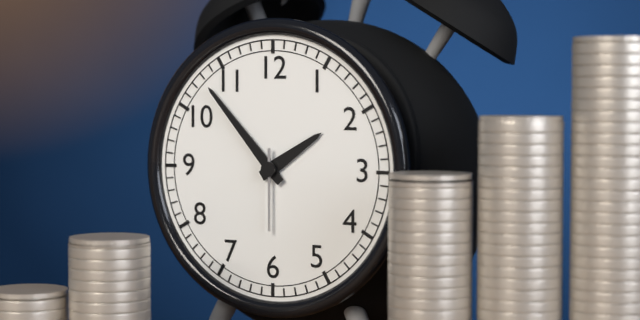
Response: 1:53:30
